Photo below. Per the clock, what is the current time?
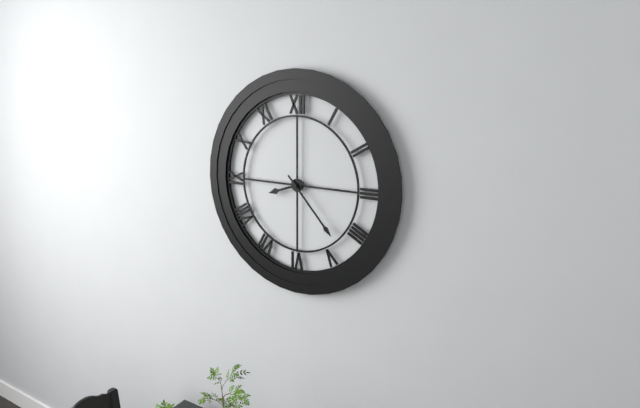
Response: 8:23
